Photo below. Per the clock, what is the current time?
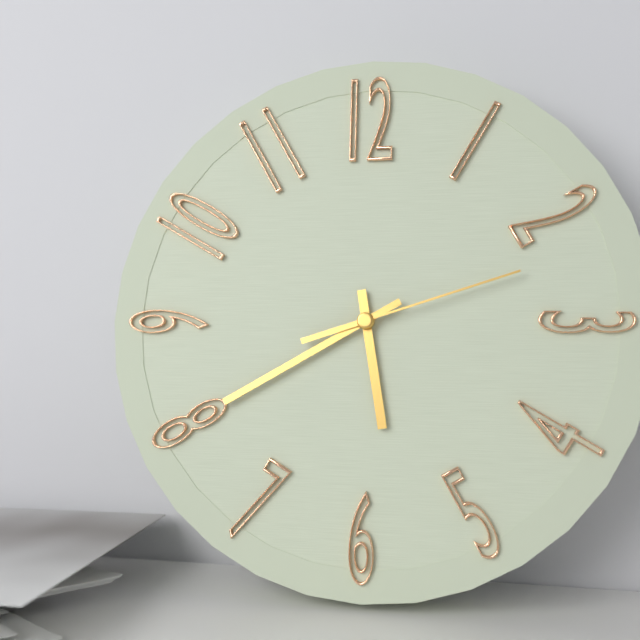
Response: 5:40:12
